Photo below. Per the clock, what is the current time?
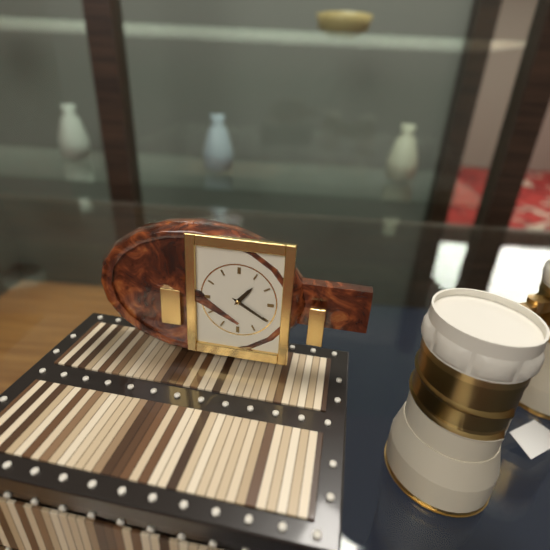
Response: 1:20
